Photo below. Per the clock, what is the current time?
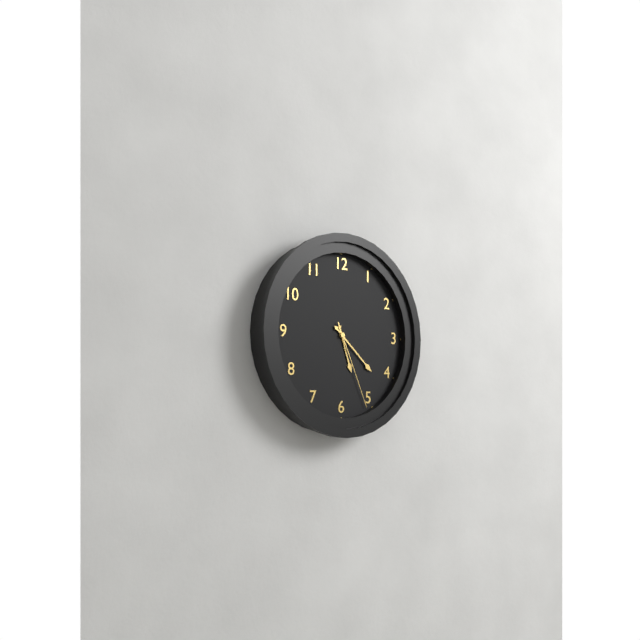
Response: 5:22:26
